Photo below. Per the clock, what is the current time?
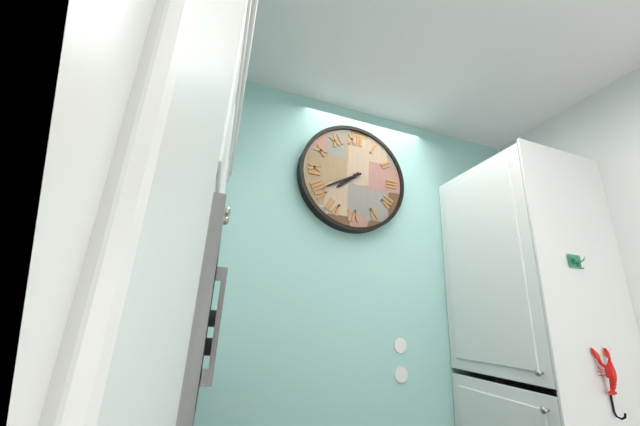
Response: 7:40
